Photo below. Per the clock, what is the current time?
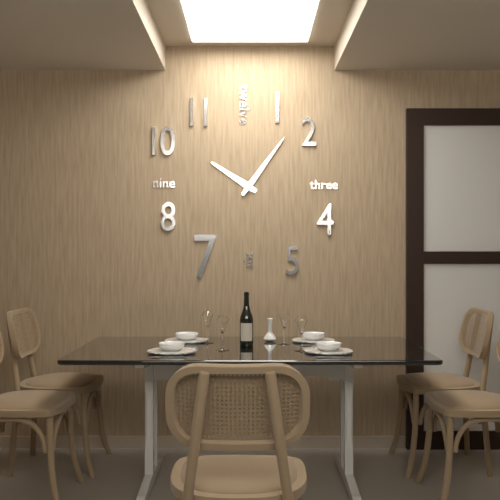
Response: 10:06
